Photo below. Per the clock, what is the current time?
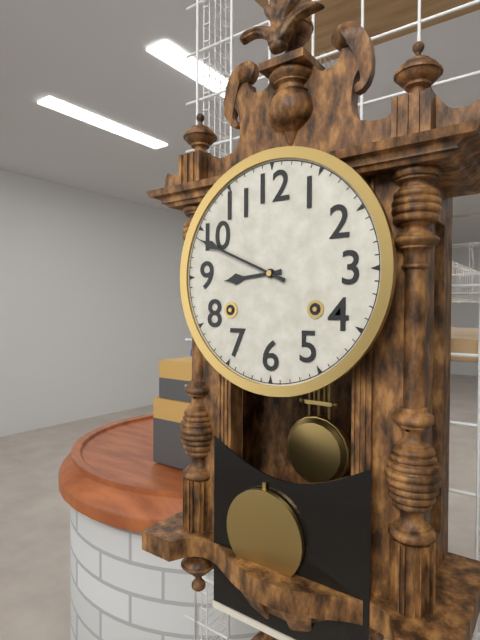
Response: 8:49
